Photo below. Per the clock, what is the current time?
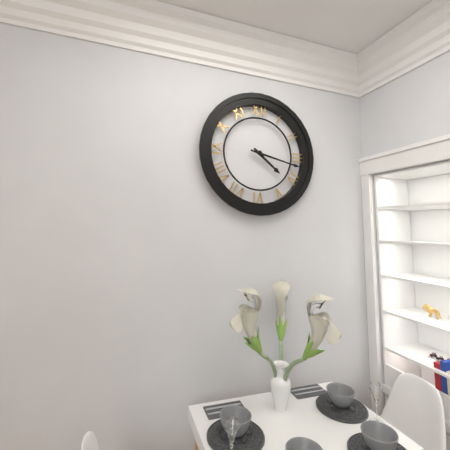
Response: 4:17
